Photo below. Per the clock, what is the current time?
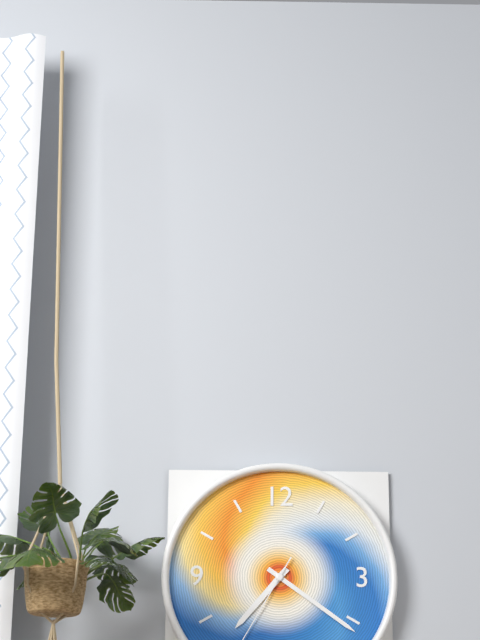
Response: 7:21
